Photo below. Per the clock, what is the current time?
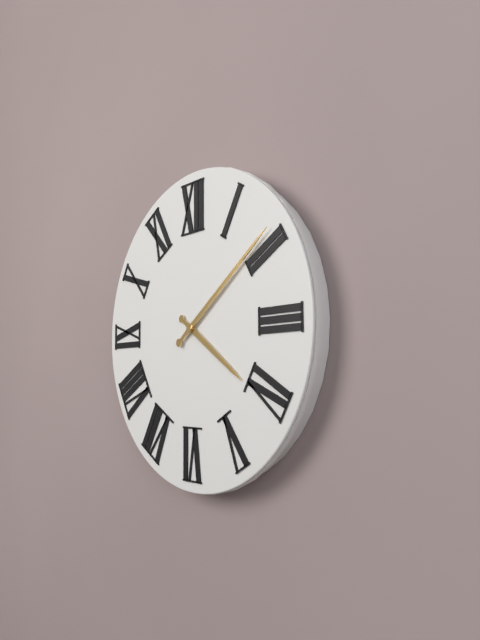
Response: 4:09
